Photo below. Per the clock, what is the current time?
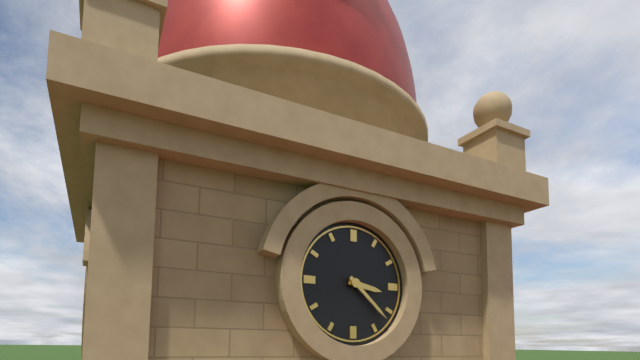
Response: 3:22
